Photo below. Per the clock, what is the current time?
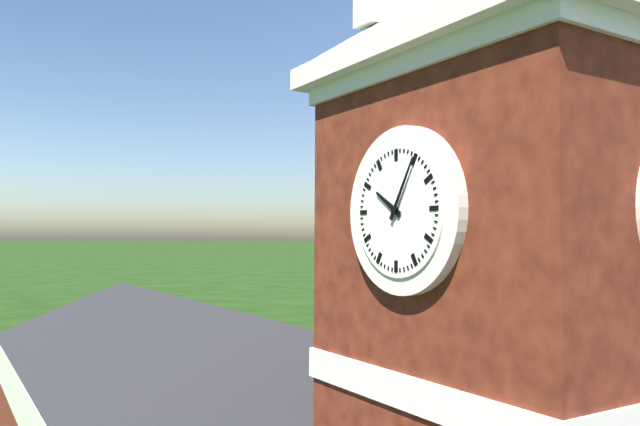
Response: 10:05
